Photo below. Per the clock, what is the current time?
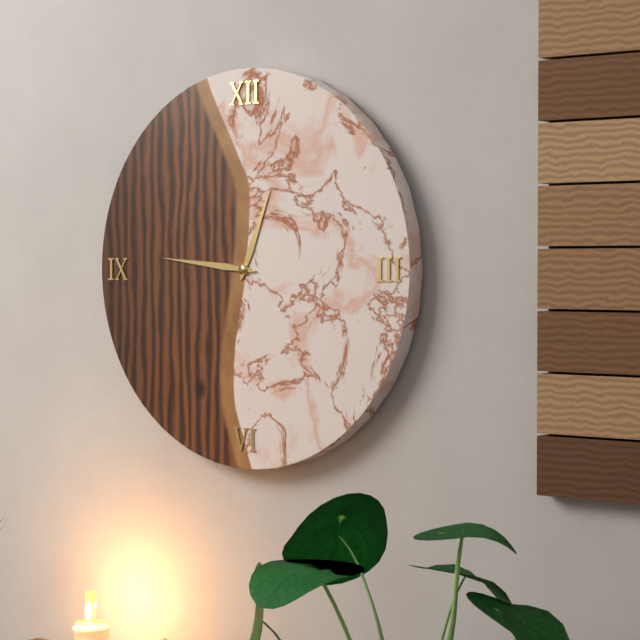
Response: 12:46
